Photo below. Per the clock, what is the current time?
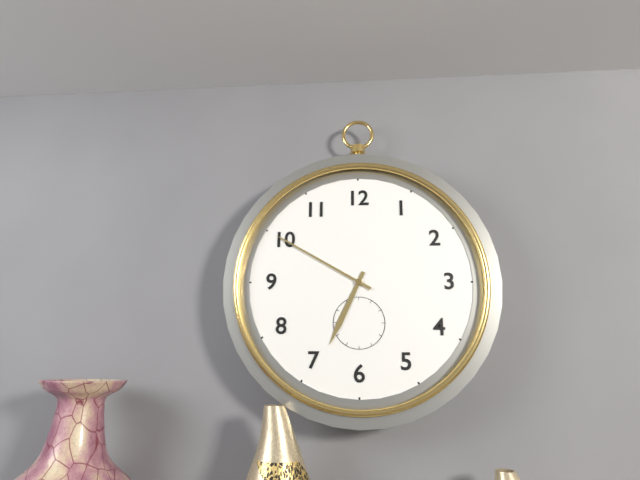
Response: 6:50
